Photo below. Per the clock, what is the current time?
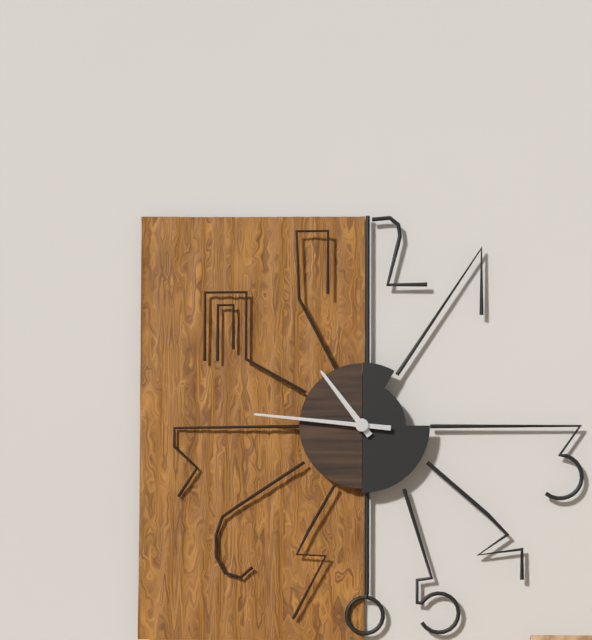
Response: 10:46
